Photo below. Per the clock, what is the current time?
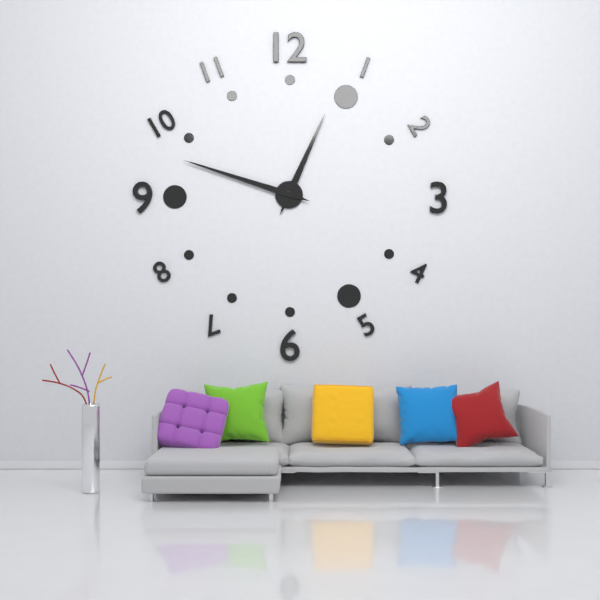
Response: 12:48
